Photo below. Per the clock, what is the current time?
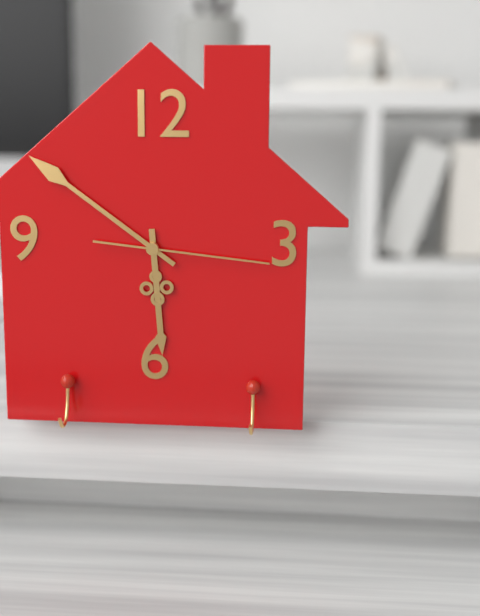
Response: 5:51:16
